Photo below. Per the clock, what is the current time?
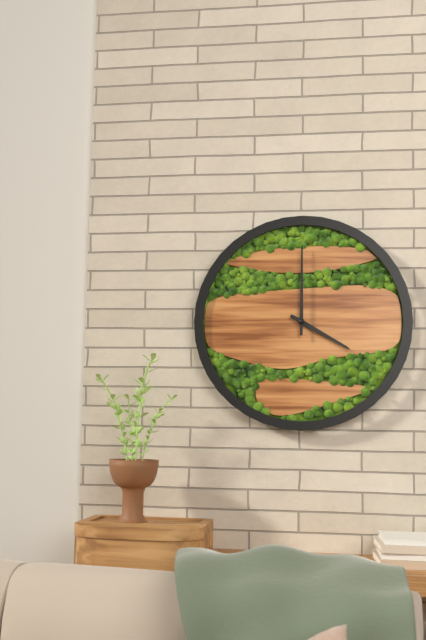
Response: 4:00
